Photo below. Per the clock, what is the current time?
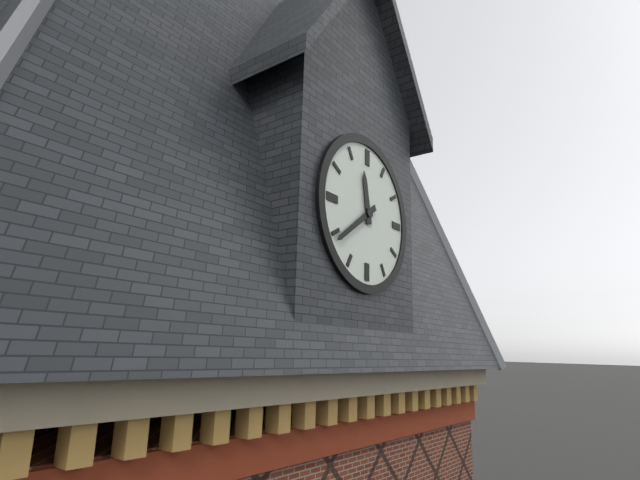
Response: 11:39
